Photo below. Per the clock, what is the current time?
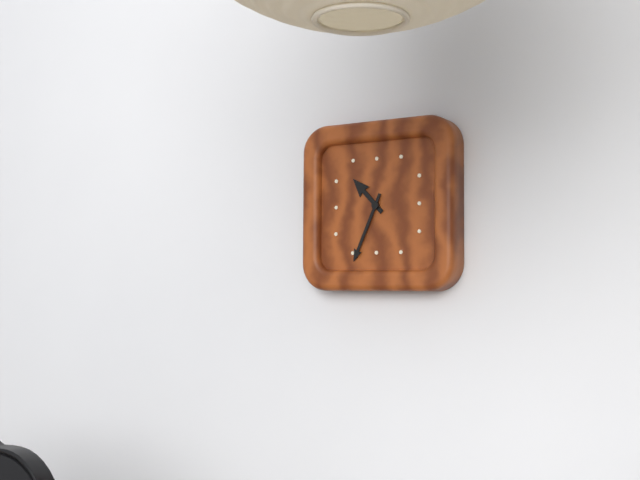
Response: 10:34
